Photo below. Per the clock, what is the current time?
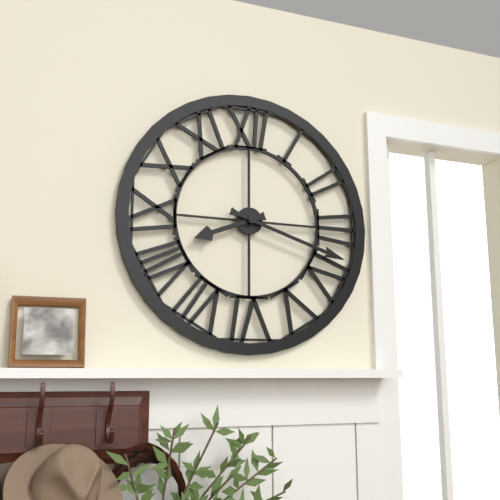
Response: 8:18
